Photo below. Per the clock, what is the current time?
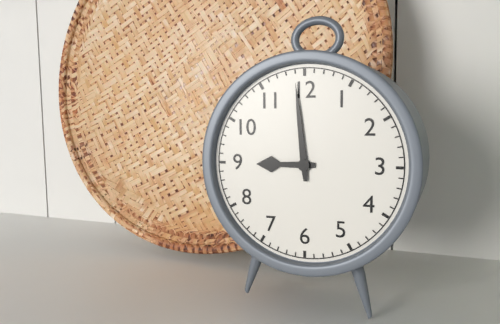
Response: 8:59
